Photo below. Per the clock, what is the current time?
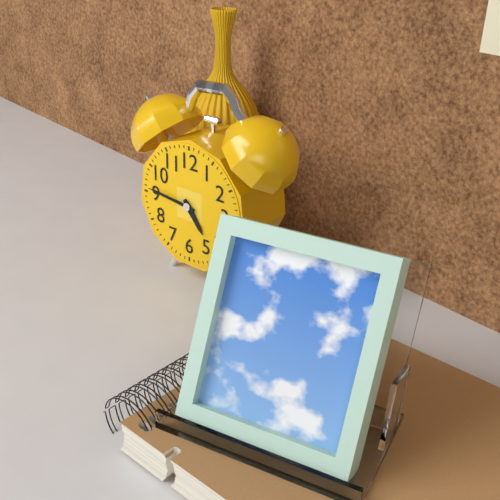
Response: 4:46
